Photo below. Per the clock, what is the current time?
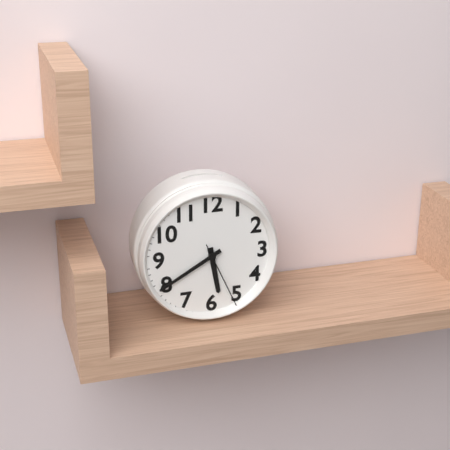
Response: 5:40:26
